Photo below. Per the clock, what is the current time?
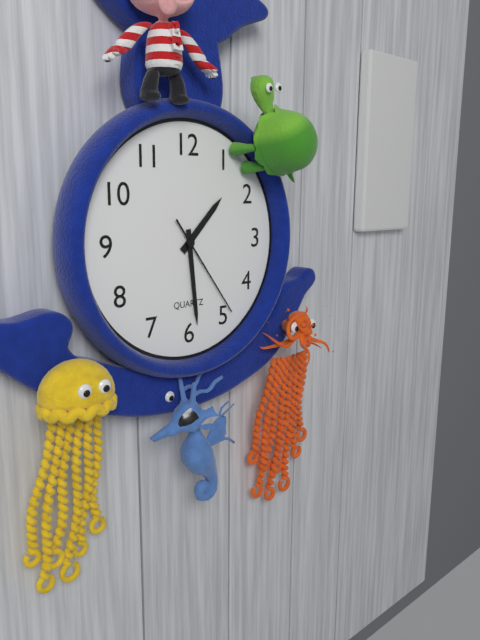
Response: 1:29:24
